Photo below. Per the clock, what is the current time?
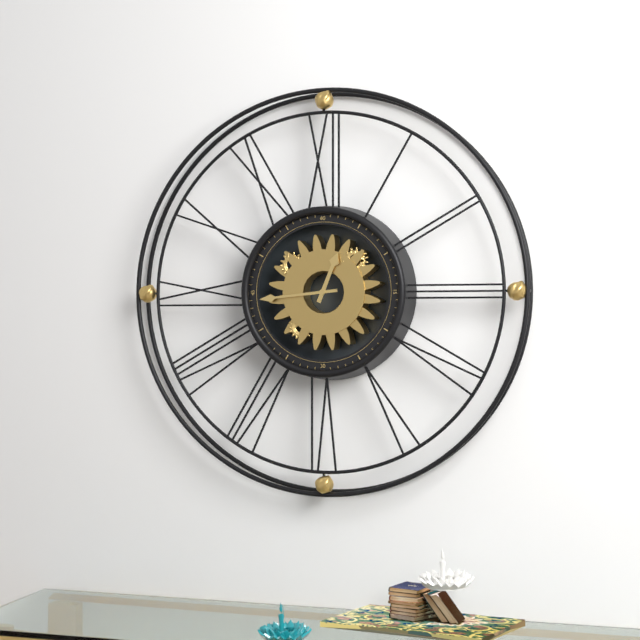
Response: 12:44
